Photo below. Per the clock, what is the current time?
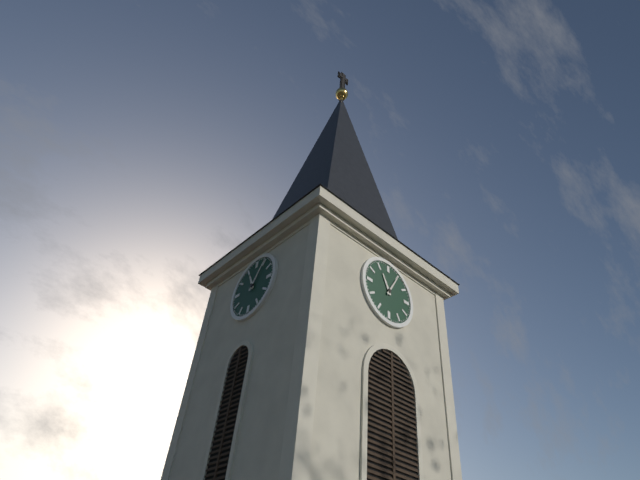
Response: 11:05
